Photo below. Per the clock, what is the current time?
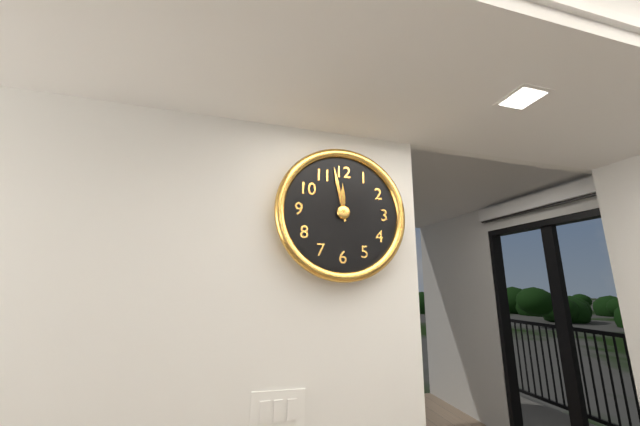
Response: 11:58
